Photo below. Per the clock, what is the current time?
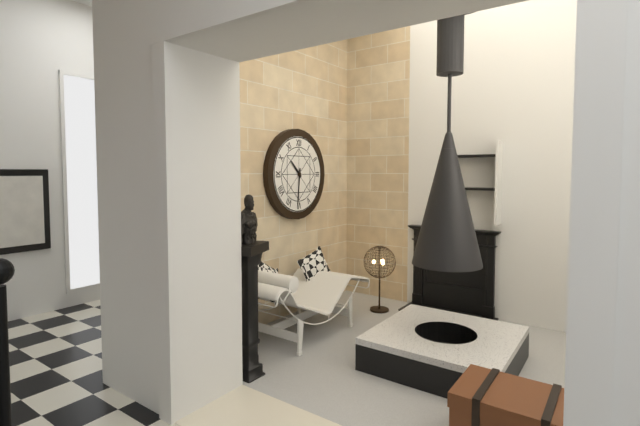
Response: 10:31
